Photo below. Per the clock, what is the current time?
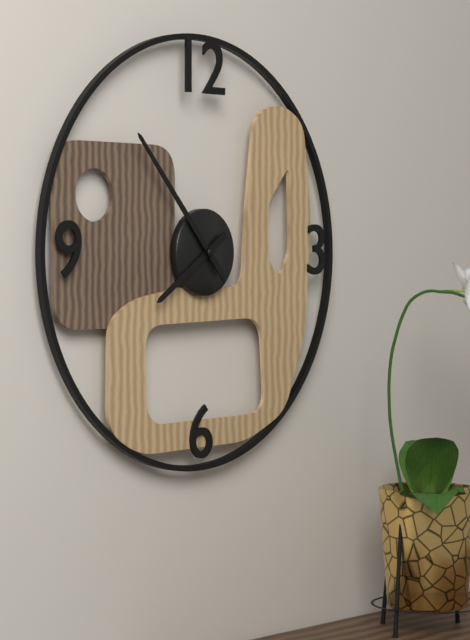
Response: 7:53
